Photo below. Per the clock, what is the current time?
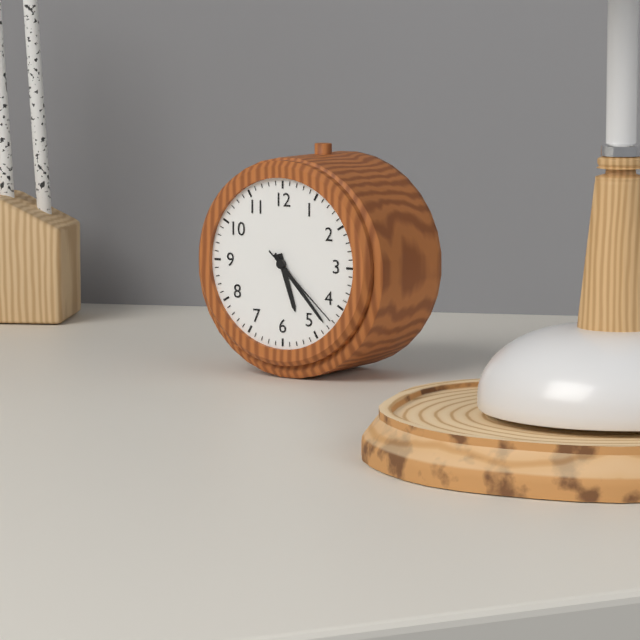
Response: 5:23:22
